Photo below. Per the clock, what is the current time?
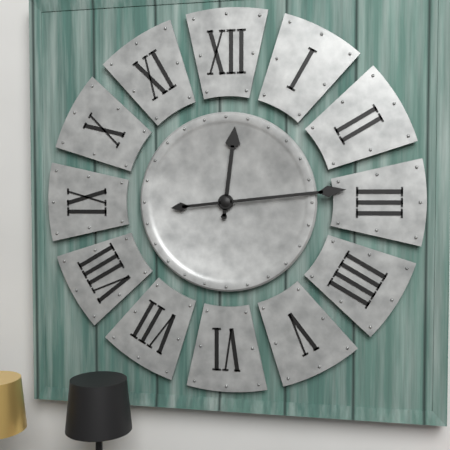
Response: 12:14
